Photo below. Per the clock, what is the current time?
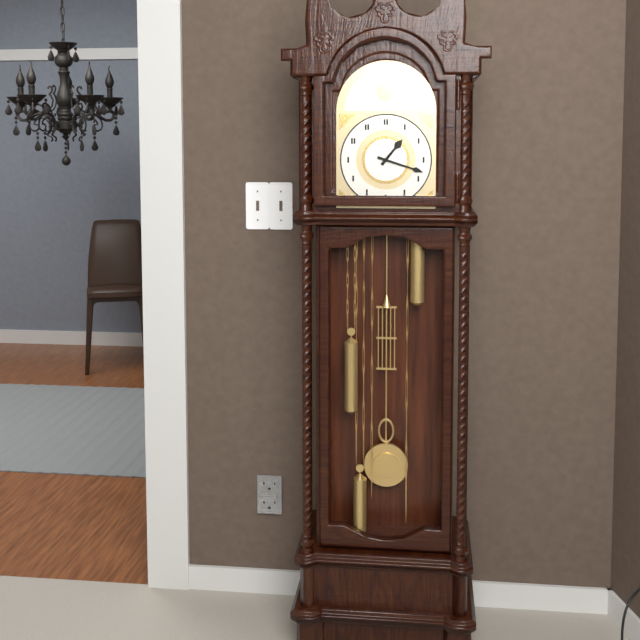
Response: 1:18
